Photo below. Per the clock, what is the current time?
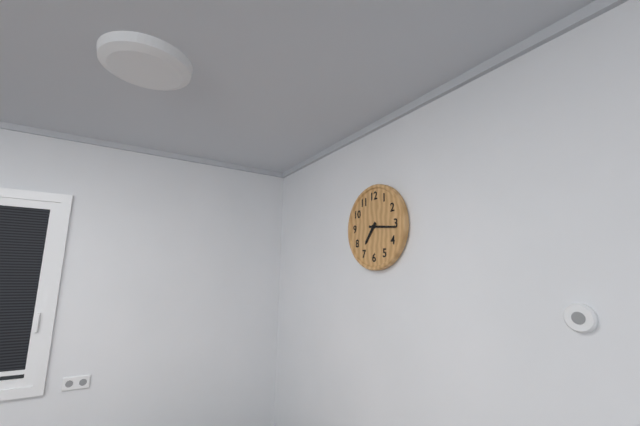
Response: 7:16
